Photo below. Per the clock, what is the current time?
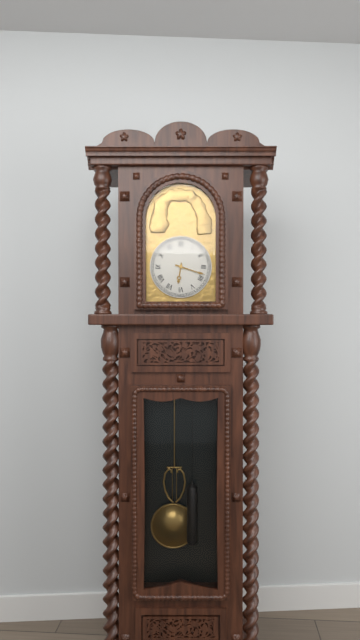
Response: 6:18
